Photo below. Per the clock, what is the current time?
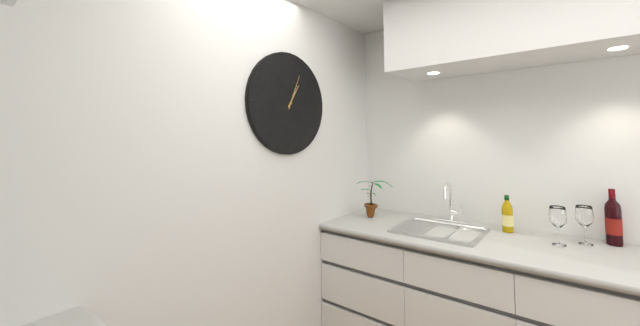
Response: 1:04
